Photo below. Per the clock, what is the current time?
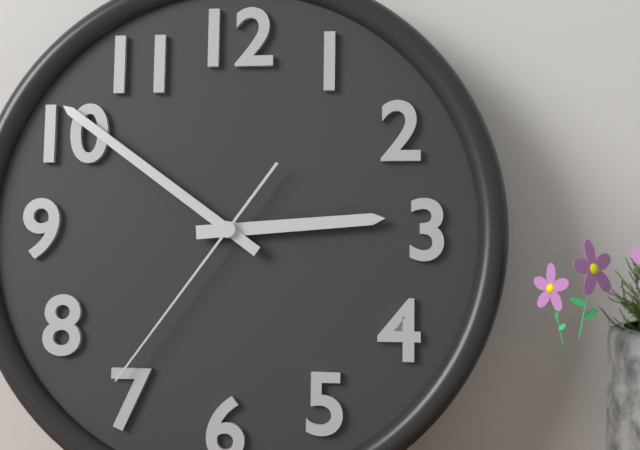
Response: 2:51:36
